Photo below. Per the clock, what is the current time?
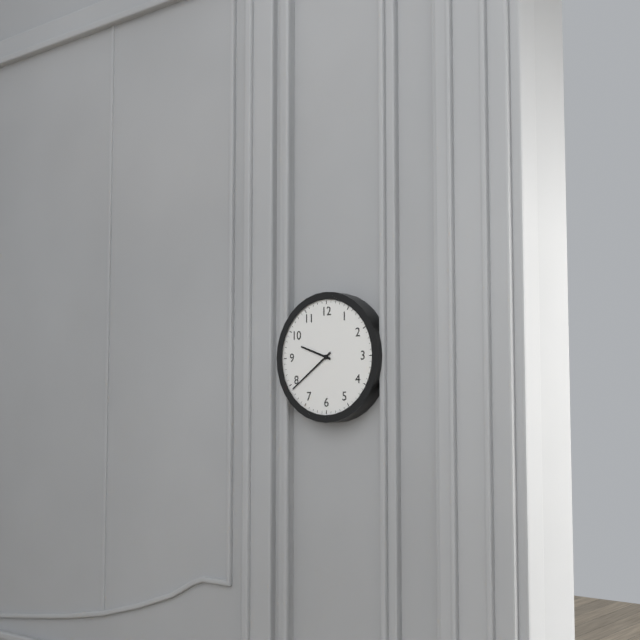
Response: 9:39
